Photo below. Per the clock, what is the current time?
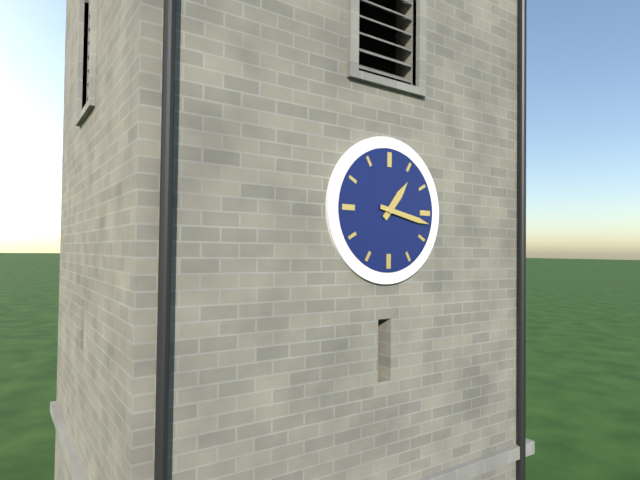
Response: 1:17
